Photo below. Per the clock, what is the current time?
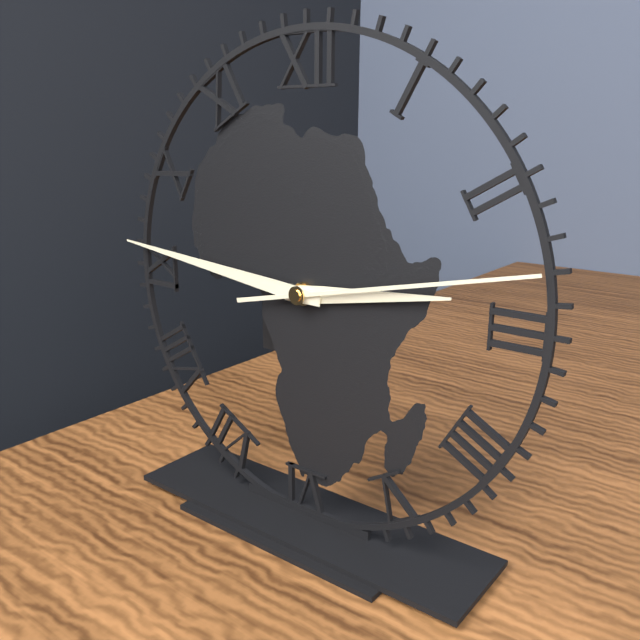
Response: 2:46:13
